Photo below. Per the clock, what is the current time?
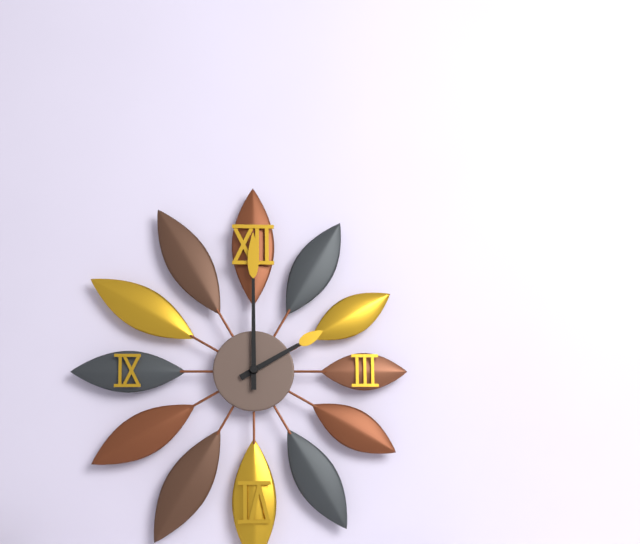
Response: 2:00
